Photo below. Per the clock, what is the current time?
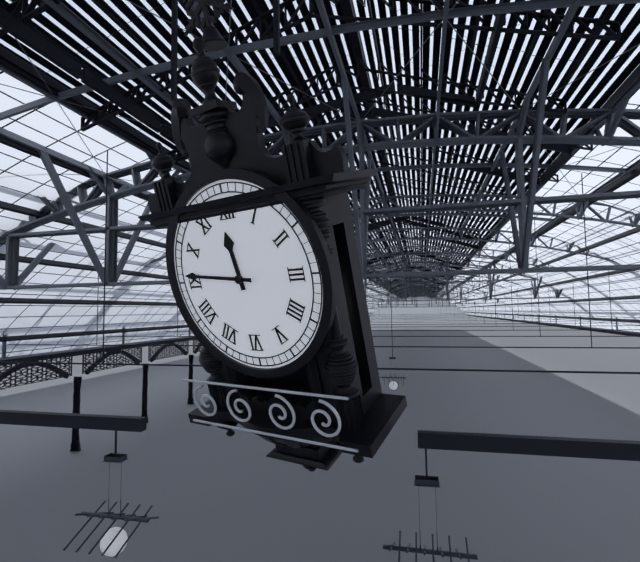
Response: 11:46
